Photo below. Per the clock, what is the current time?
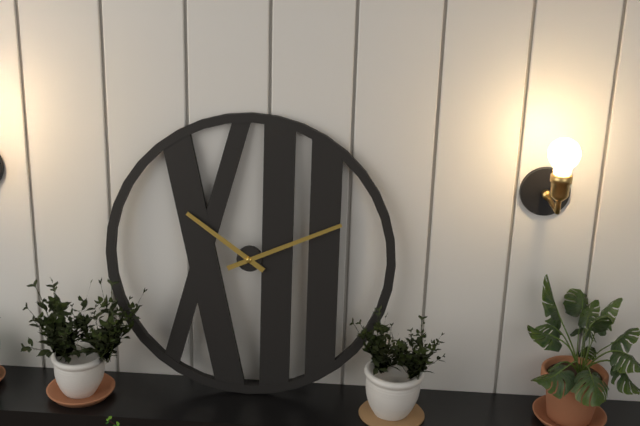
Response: 10:11
